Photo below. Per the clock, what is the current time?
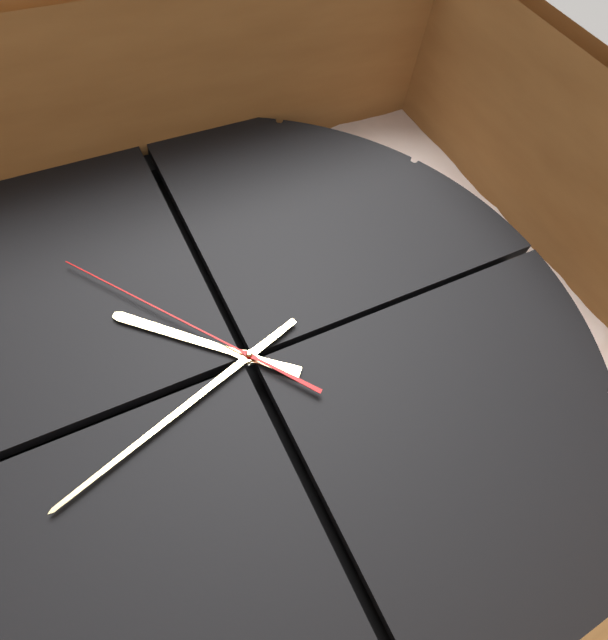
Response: 7:27:39
